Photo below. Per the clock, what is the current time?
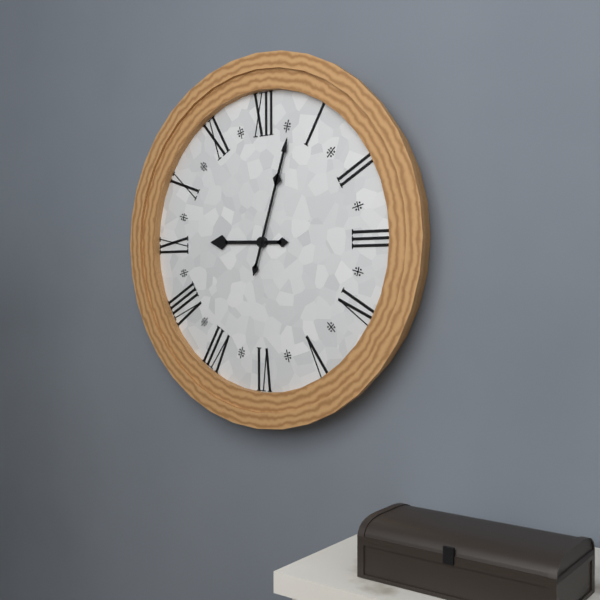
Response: 9:03
